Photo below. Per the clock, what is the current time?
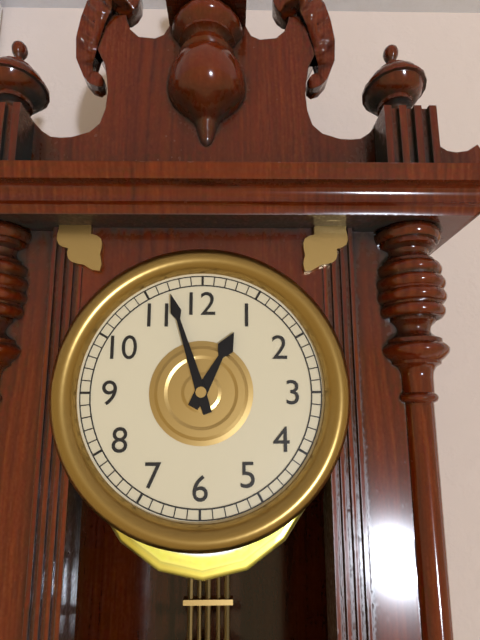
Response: 12:57
